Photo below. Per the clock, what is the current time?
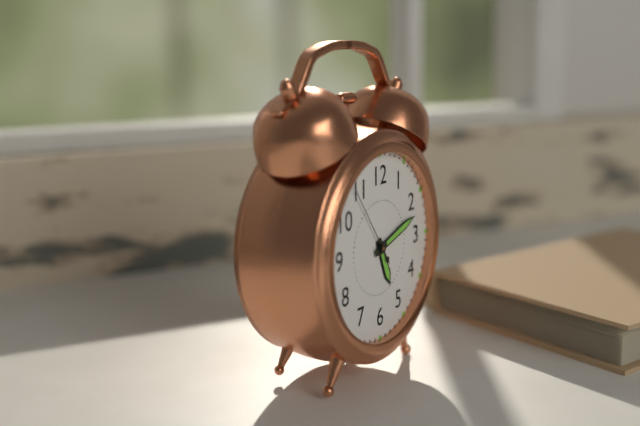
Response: 5:12:54
